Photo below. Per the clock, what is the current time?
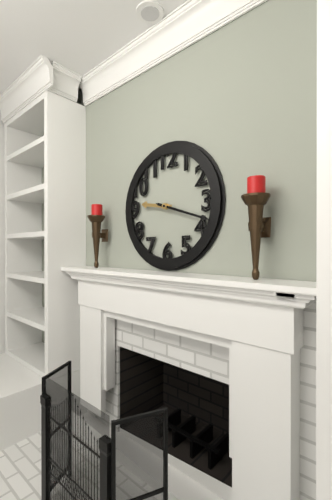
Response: 9:18:18
